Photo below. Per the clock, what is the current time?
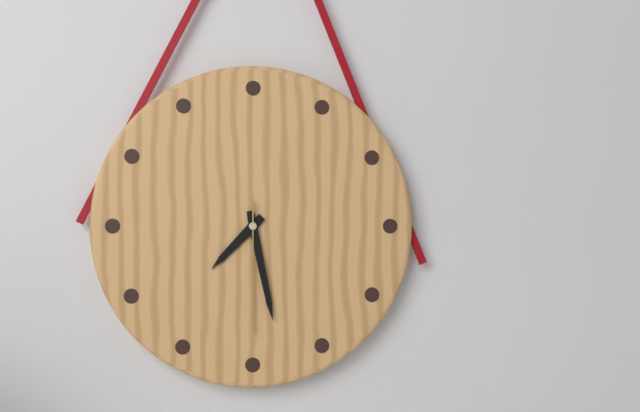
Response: 7:28:30
